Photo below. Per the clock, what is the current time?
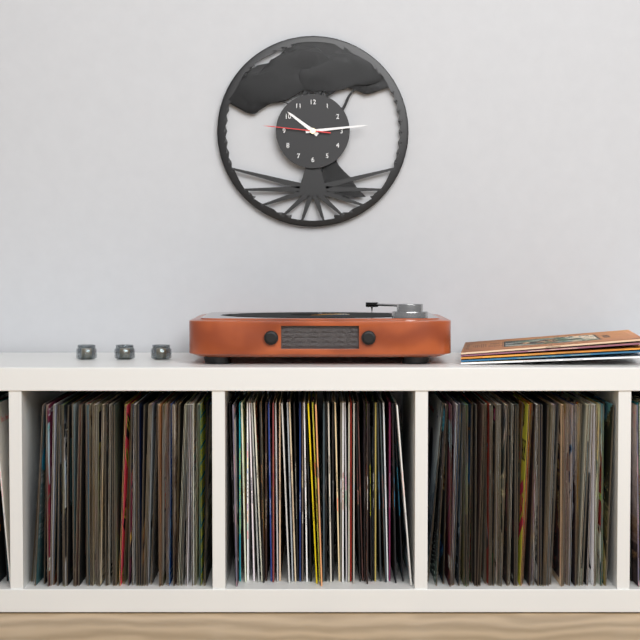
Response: 10:14:46
